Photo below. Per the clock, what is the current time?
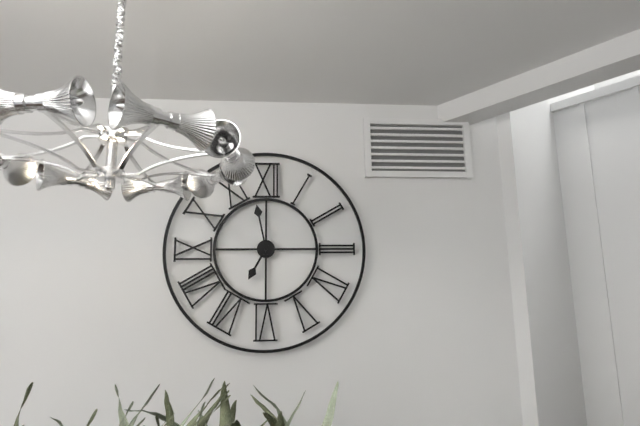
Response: 6:58
